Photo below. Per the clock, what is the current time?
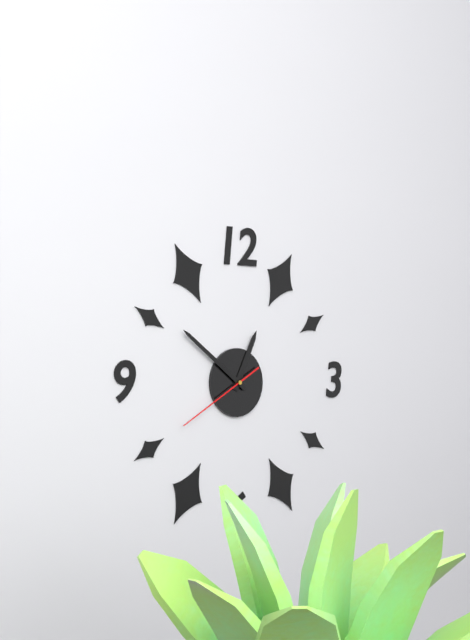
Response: 12:51:40
